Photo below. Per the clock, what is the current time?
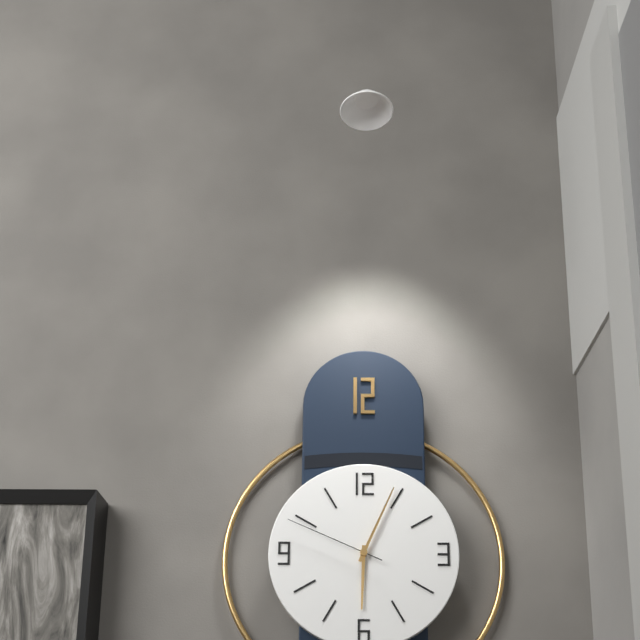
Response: 6:04:49
